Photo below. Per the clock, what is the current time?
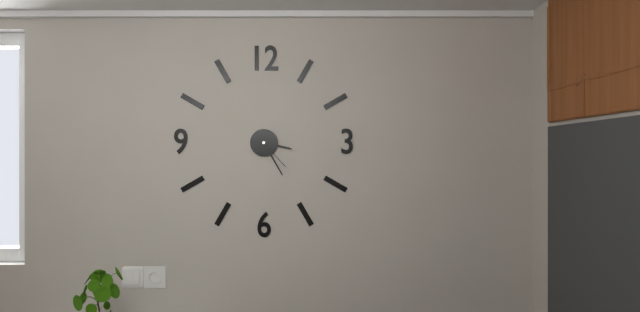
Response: 3:25
